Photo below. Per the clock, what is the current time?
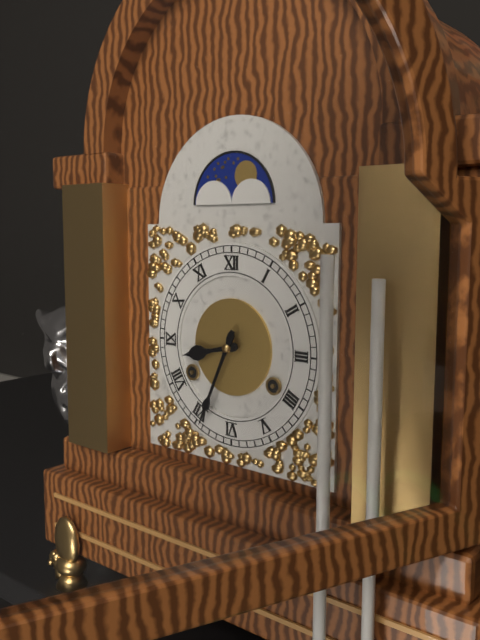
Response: 8:34
